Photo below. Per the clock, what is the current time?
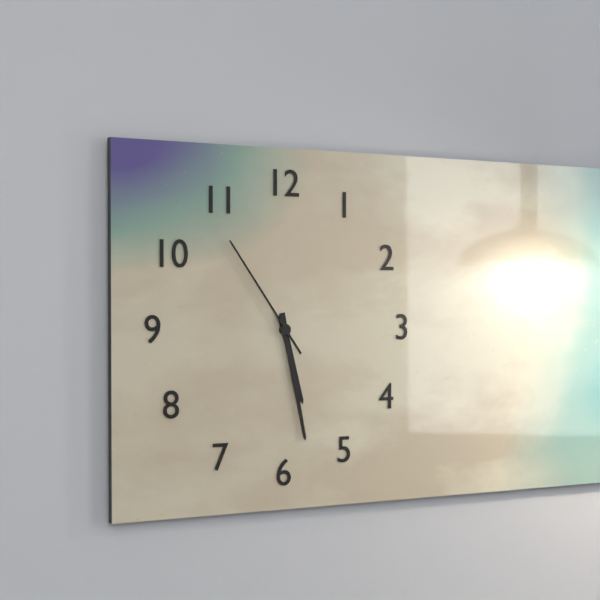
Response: 5:28:54
